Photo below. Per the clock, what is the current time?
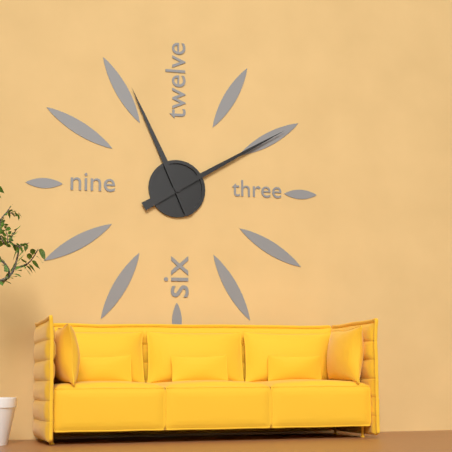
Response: 11:10
